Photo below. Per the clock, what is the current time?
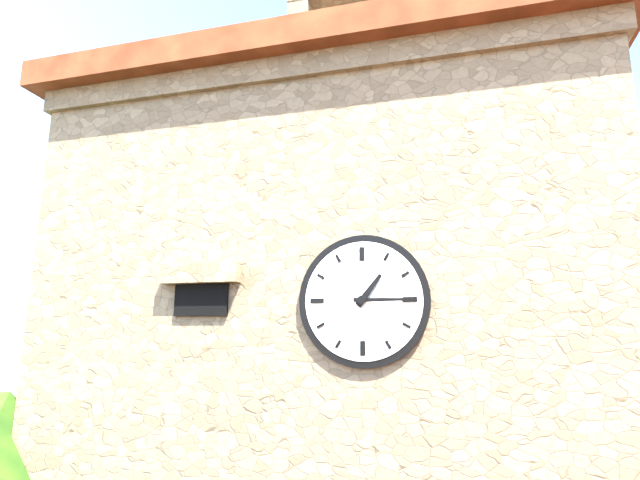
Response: 1:15
